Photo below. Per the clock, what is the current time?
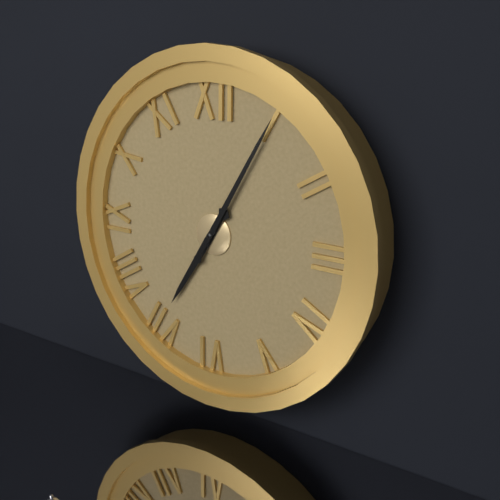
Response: 7:05
